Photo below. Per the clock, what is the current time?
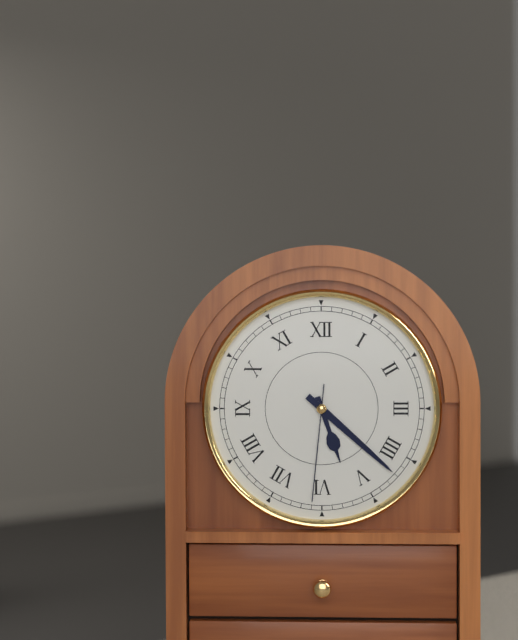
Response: 5:22:31
